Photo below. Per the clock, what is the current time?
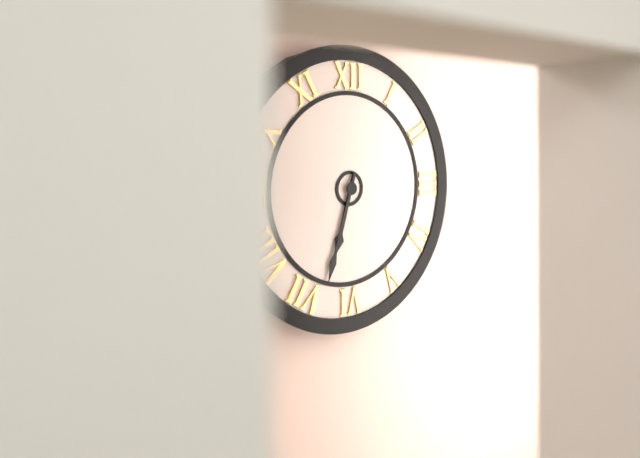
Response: 6:33
